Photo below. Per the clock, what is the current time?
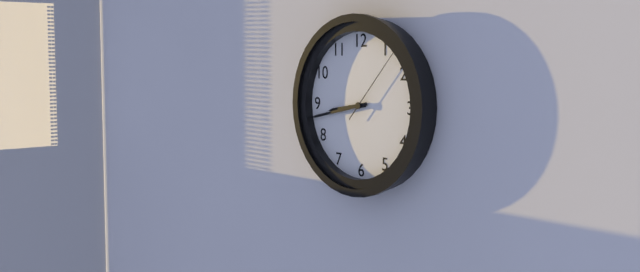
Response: 8:43:07
